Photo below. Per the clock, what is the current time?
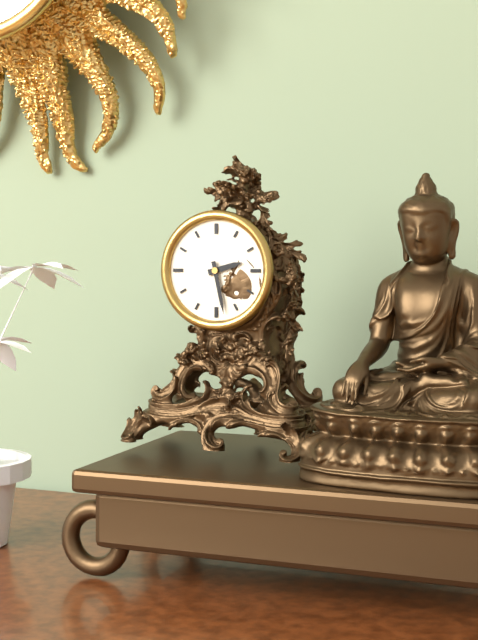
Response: 2:28
